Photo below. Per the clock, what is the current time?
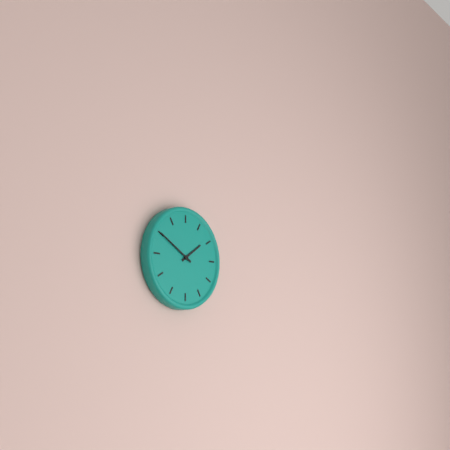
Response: 1:50
